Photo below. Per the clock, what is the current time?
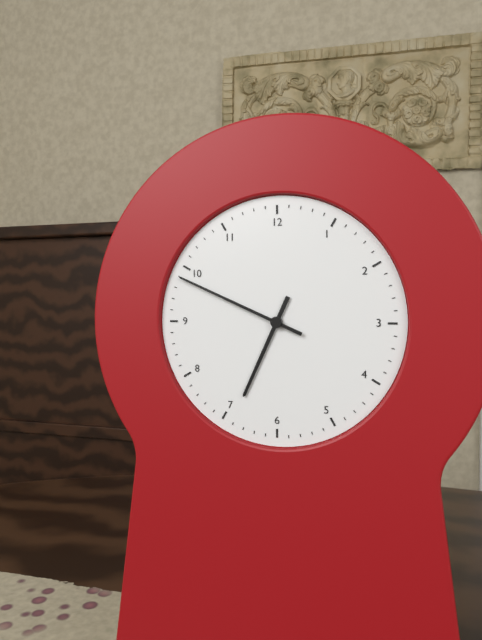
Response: 6:49
